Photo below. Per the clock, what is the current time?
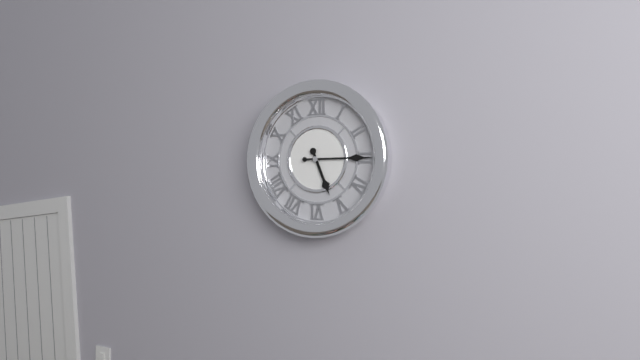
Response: 5:15
